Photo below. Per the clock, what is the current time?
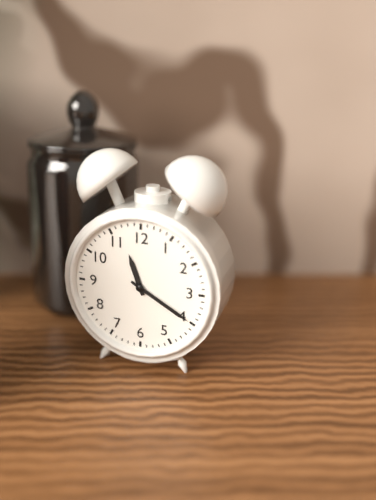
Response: 11:20
